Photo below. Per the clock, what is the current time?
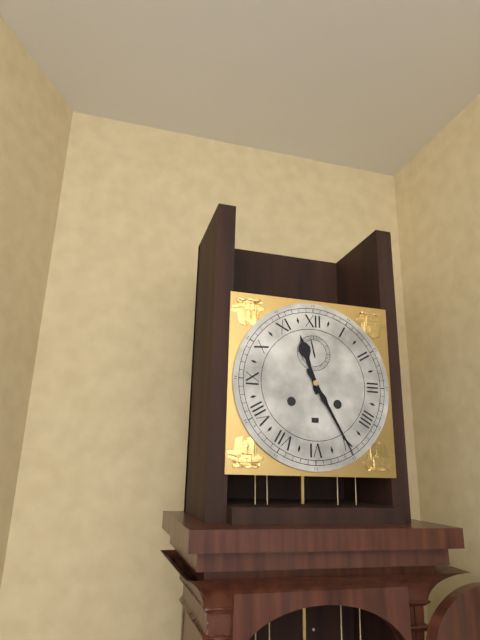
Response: 11:25
